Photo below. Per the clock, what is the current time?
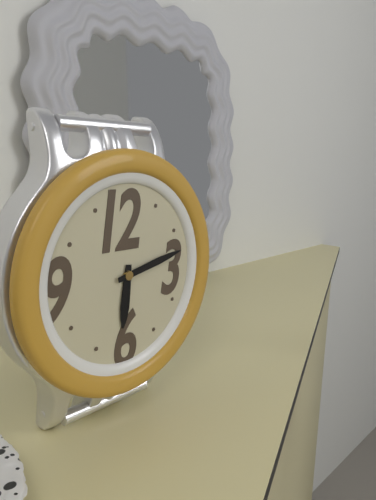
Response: 6:13
